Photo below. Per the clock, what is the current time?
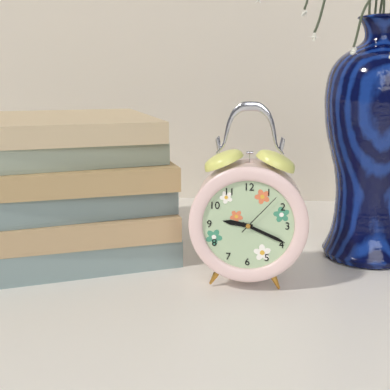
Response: 9:19:07
